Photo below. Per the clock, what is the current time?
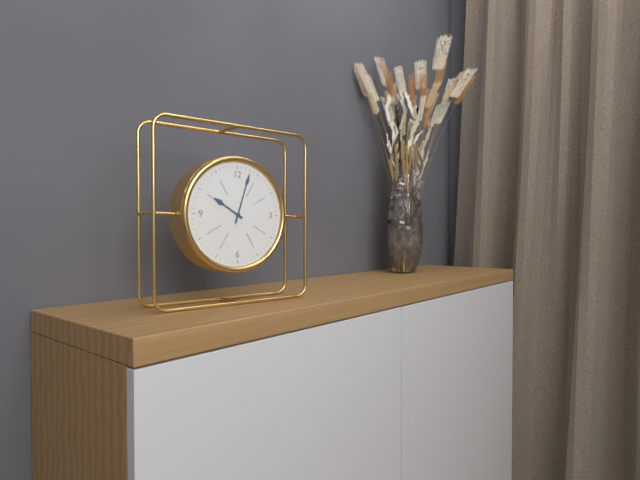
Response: 10:03
